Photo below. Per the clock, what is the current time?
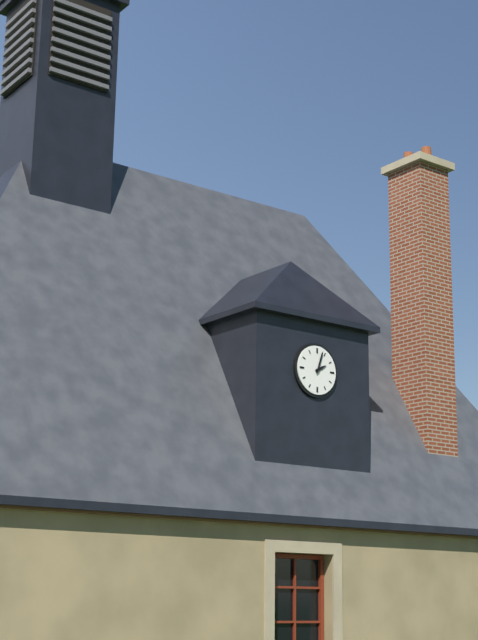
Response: 2:03
